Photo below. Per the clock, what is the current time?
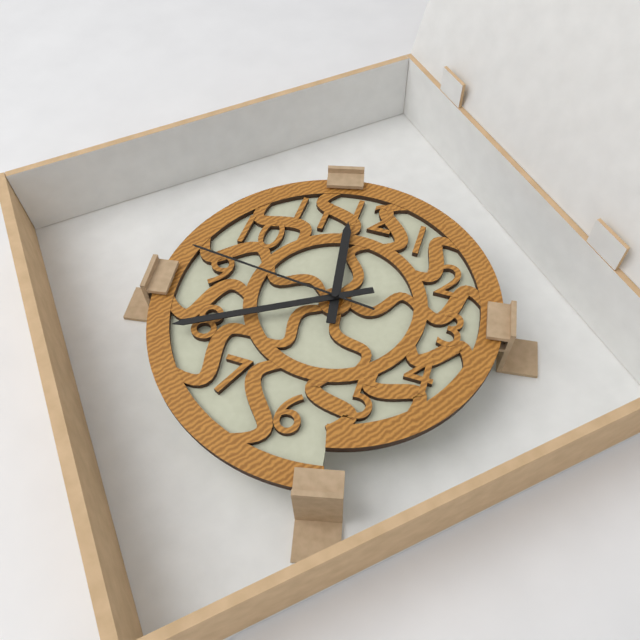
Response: 11:40:46
